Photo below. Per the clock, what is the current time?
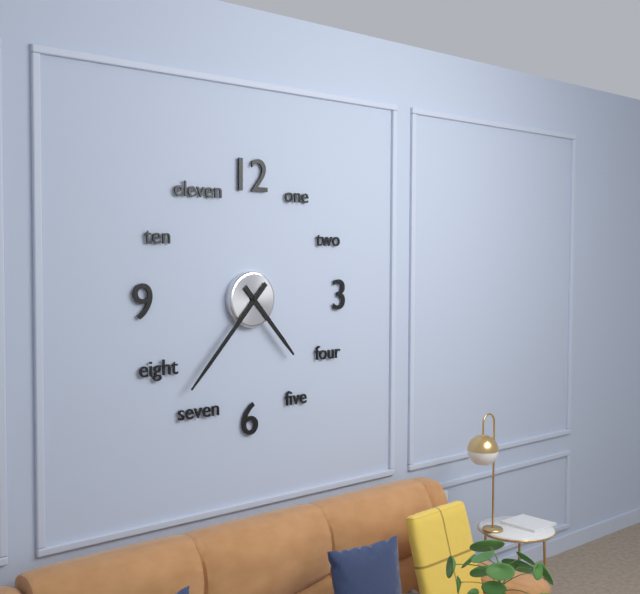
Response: 4:37
